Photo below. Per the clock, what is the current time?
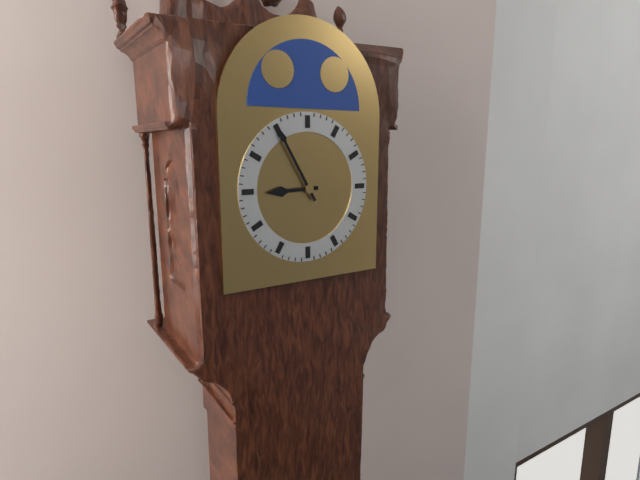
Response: 8:55
